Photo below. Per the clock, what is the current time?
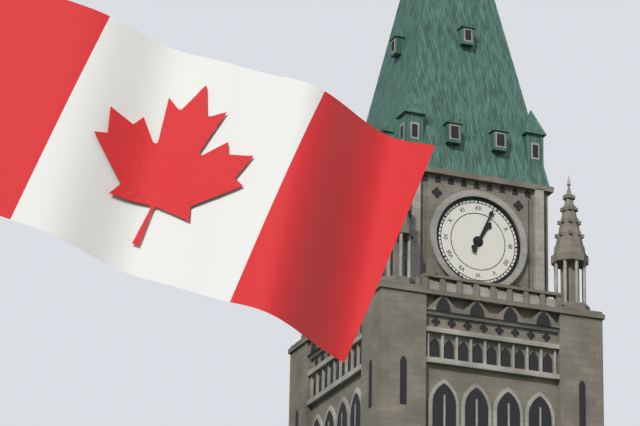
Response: 1:04
